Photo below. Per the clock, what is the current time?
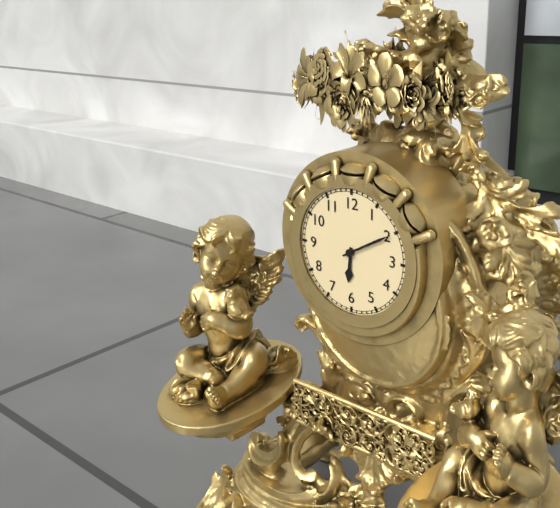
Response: 6:10
